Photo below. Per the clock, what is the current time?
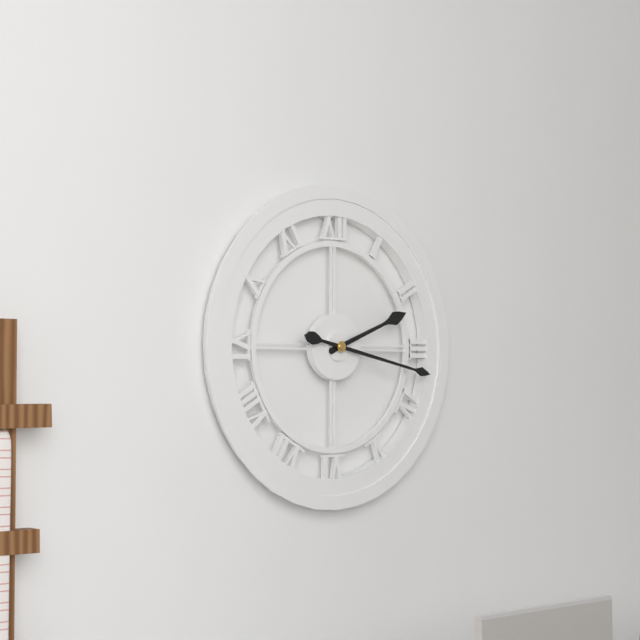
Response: 2:17
